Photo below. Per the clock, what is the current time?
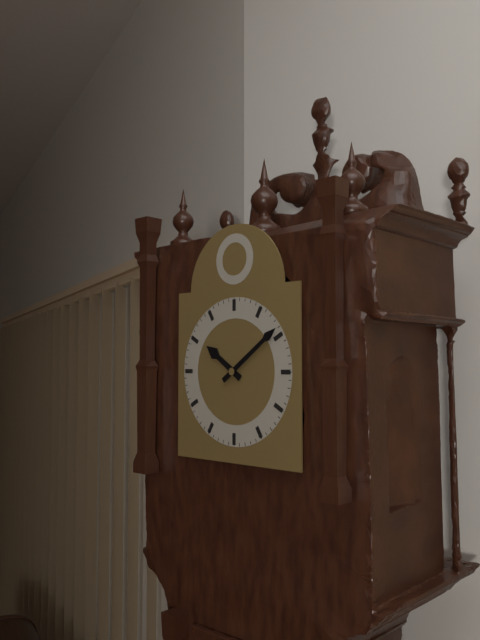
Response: 10:09
